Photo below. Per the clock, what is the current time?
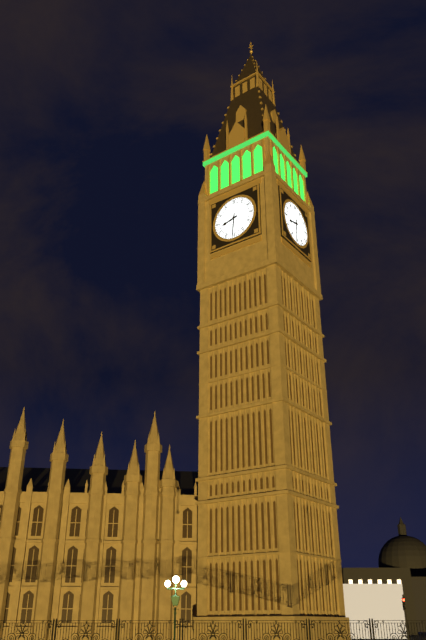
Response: 8:31
